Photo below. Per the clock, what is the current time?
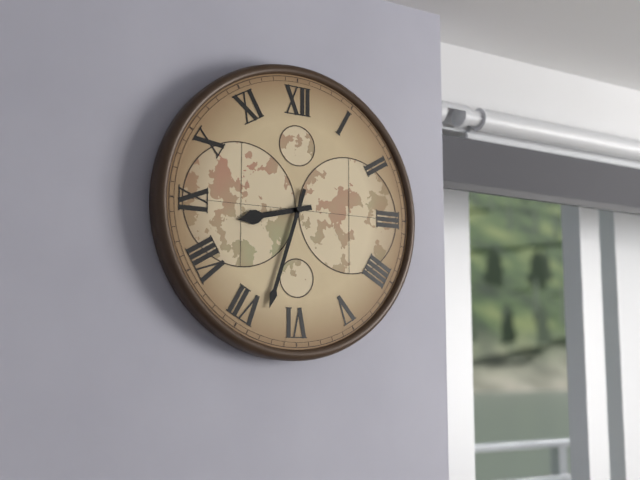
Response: 8:33
